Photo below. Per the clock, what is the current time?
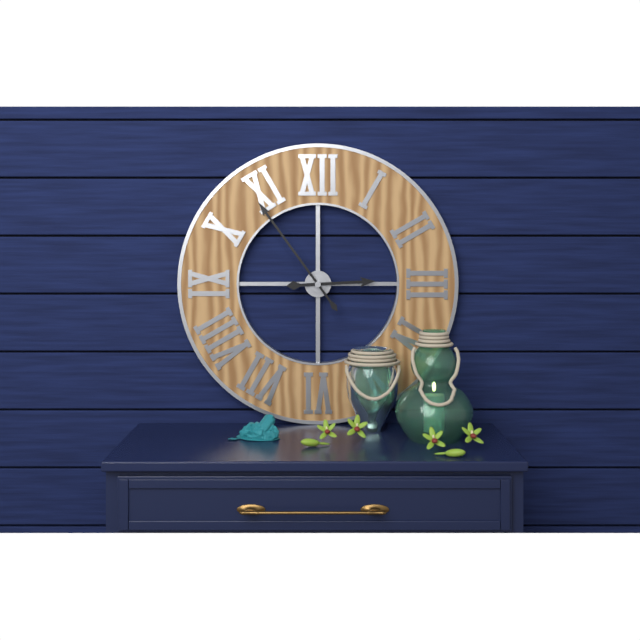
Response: 2:54
